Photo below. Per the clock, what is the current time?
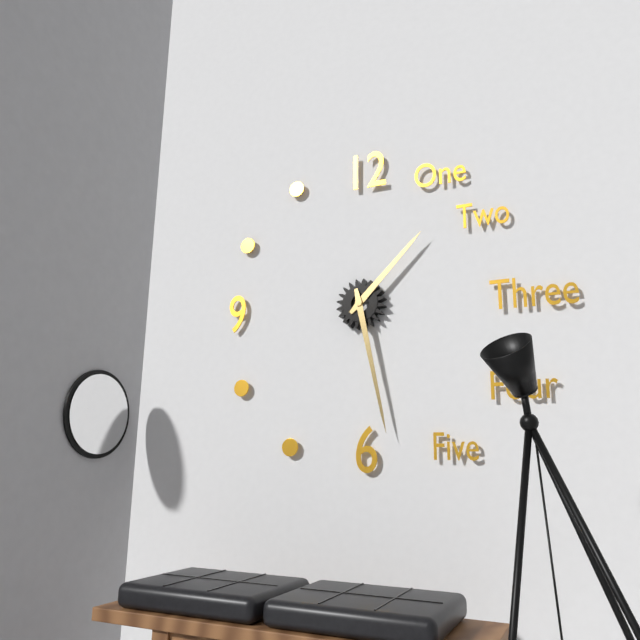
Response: 1:28
